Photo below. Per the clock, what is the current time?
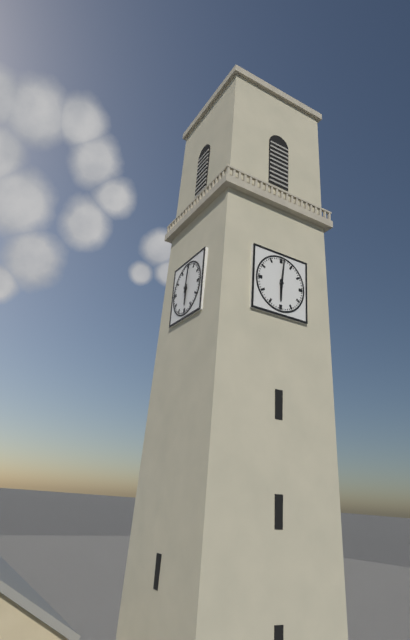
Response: 6:01
